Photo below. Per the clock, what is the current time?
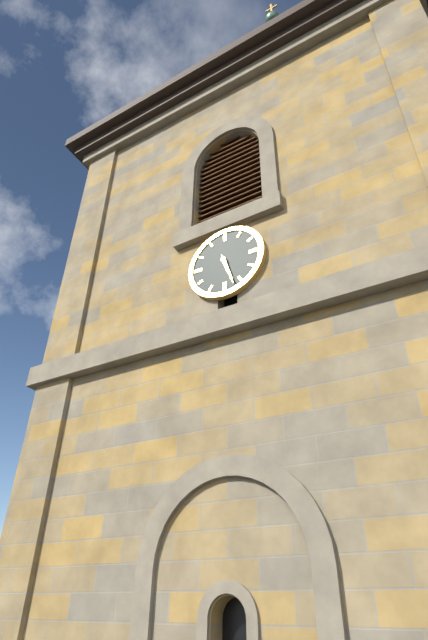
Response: 5:27
